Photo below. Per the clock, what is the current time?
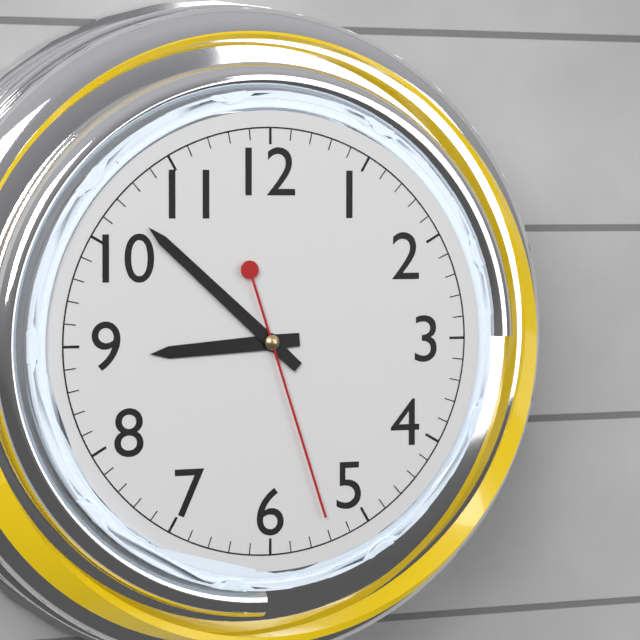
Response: 8:52:27
